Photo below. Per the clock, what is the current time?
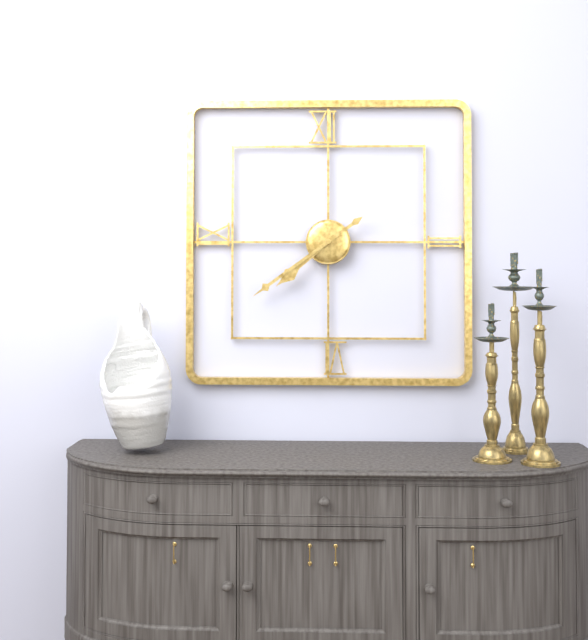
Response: 7:39
